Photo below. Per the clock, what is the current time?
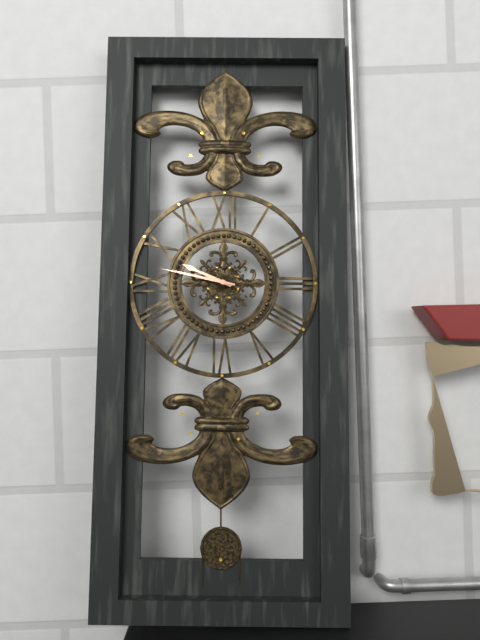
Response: 9:47
